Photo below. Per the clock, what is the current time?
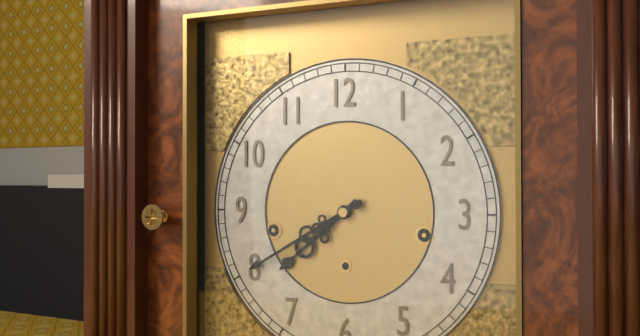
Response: 7:40
